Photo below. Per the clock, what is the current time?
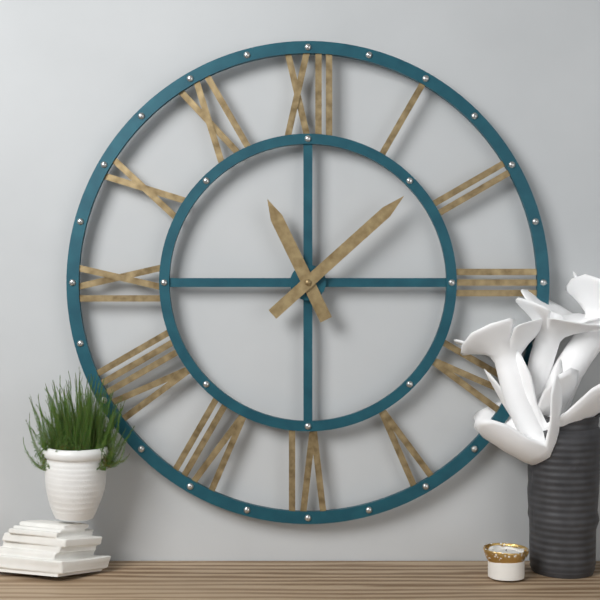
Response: 11:08
